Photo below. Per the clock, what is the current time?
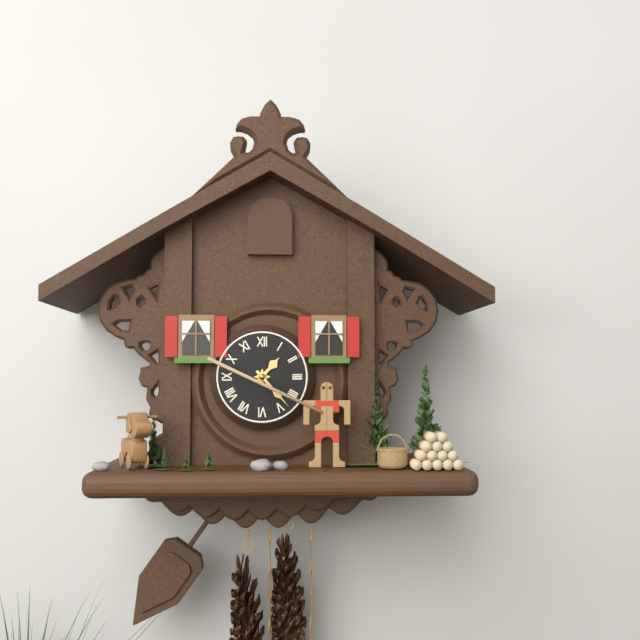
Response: 1:23
